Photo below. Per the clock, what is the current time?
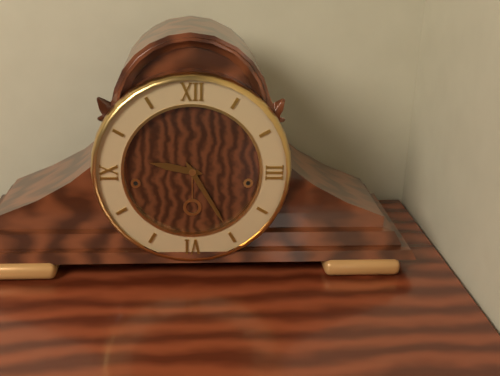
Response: 9:25
